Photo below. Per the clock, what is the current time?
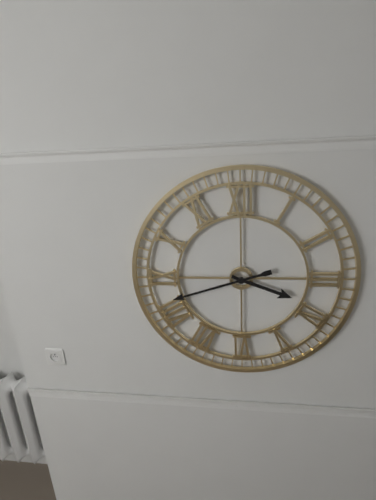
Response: 3:42
